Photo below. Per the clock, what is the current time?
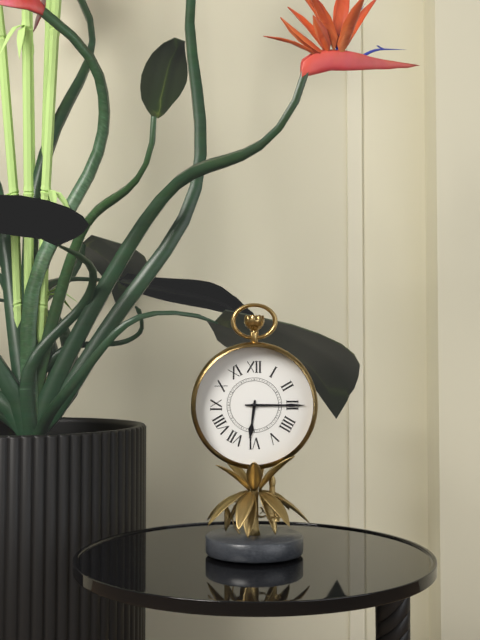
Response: 6:15
